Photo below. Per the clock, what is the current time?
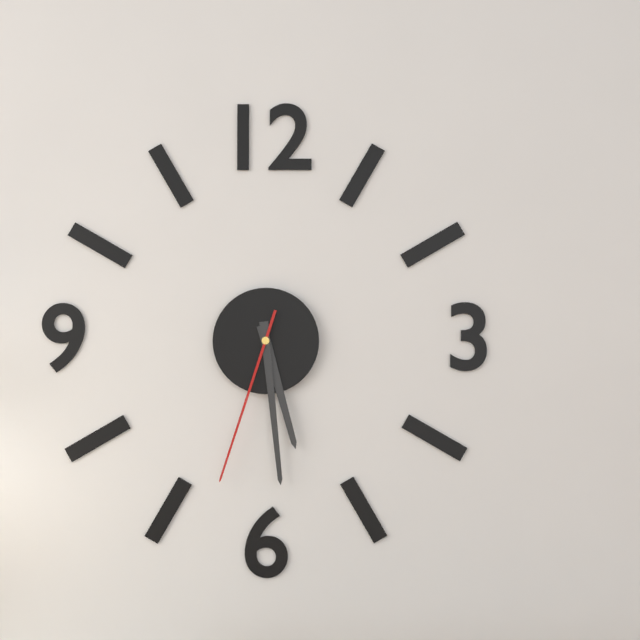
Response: 5:29:33
